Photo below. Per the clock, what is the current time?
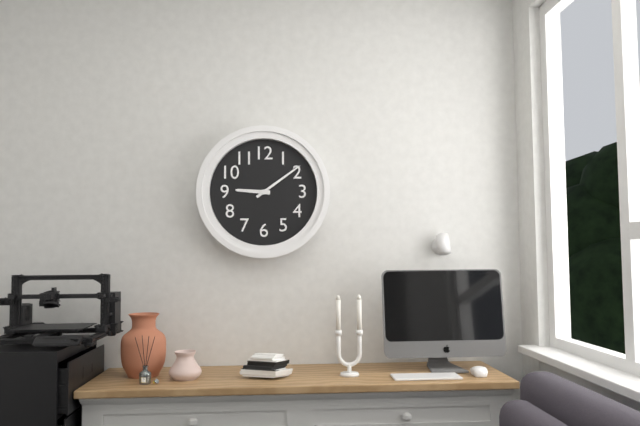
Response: 9:09
